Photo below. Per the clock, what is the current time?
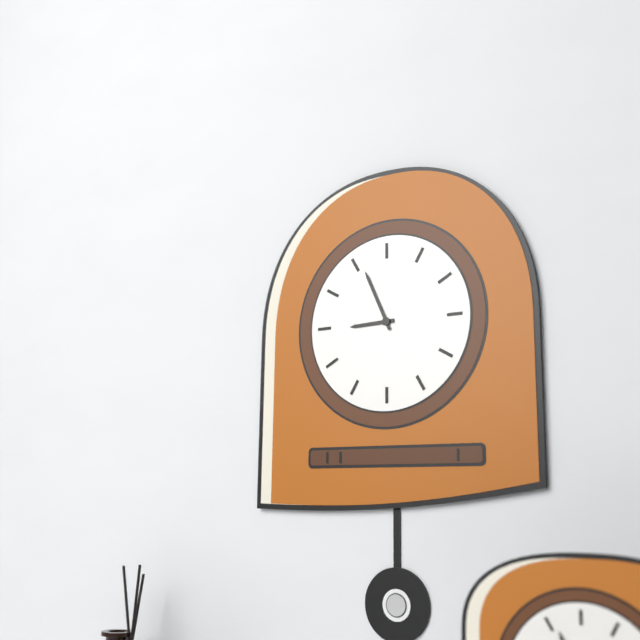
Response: 8:56
